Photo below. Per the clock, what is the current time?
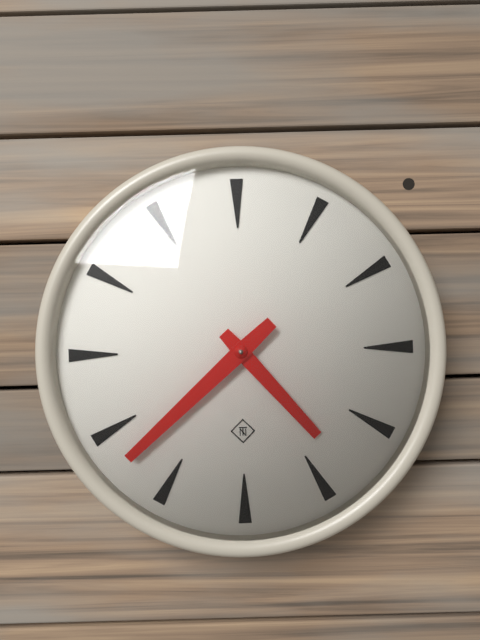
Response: 4:38
